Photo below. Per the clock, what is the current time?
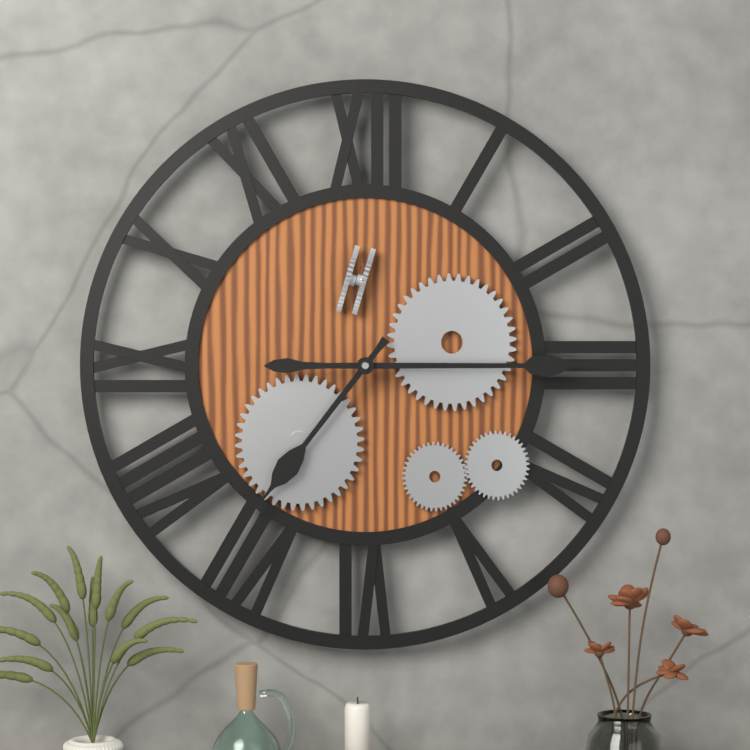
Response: 7:15
